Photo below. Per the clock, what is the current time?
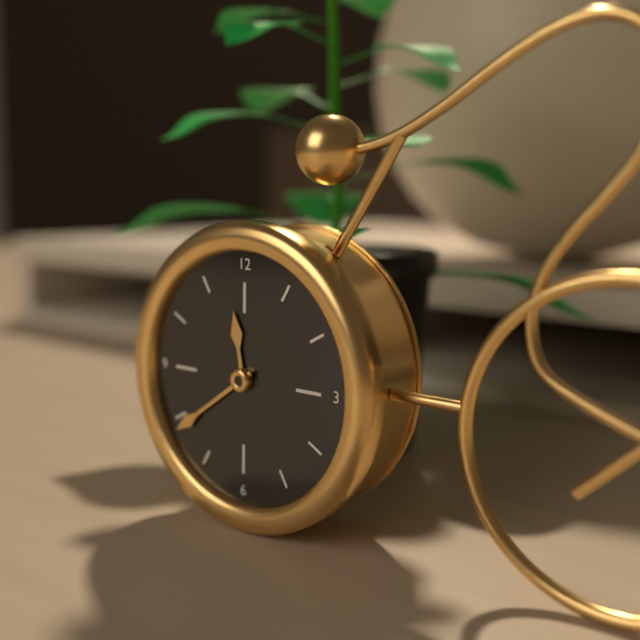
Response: 11:39
